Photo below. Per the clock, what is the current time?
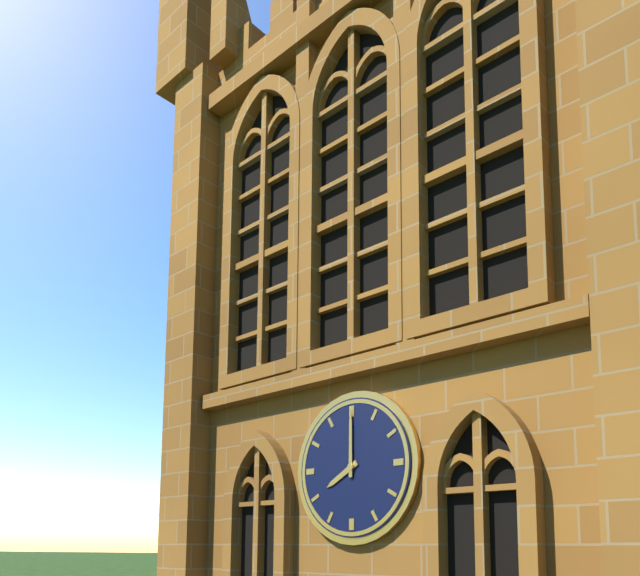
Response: 8:00
